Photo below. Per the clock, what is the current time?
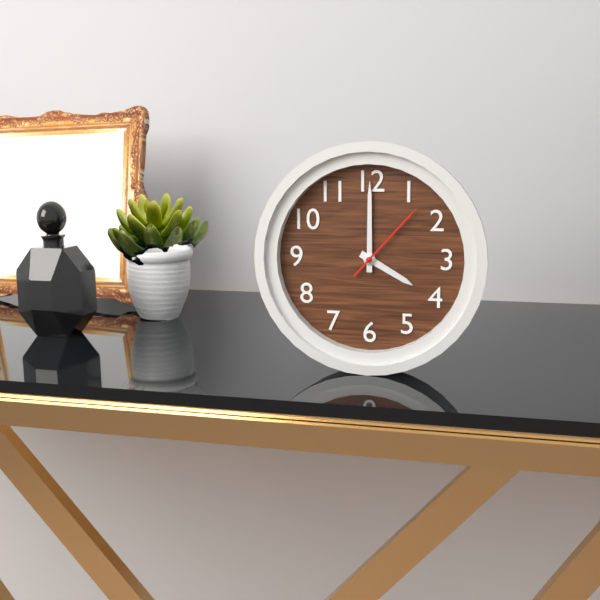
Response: 4:00:07
